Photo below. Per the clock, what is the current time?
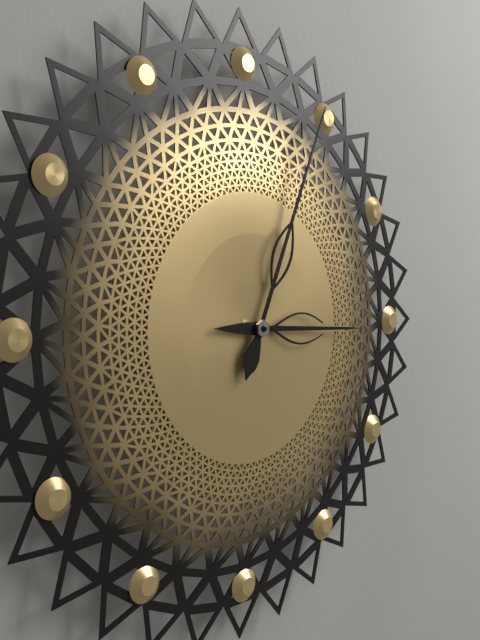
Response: 3:04
